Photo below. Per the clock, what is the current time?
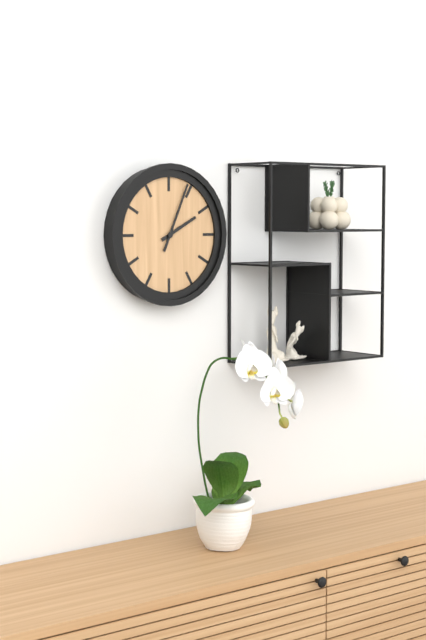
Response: 2:04
